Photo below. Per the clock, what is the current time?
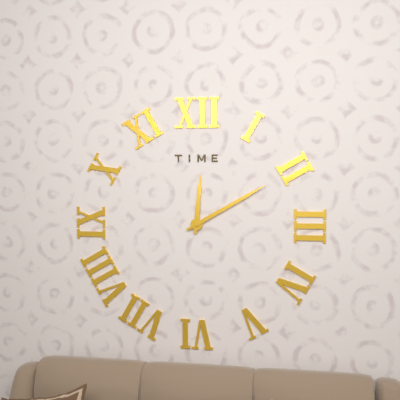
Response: 12:10
